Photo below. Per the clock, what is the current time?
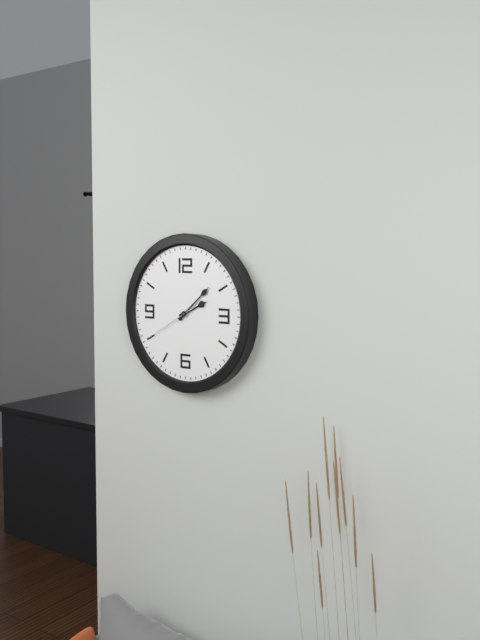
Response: 2:08:40
